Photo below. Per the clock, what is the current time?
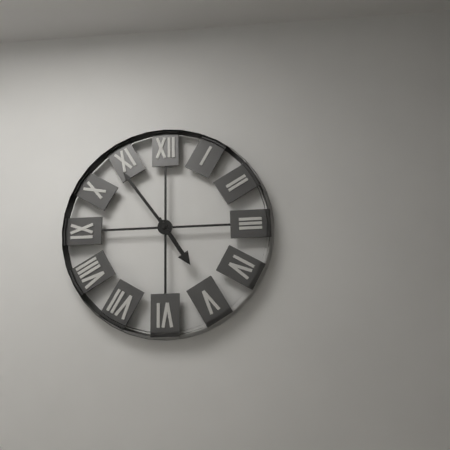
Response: 4:54
